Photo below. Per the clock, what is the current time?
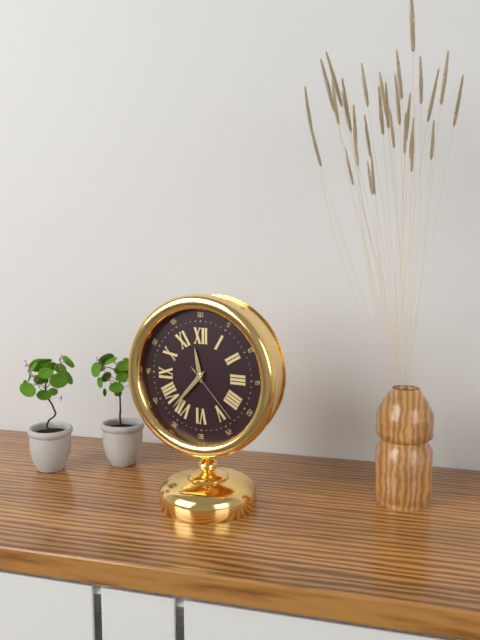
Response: 11:37:23
